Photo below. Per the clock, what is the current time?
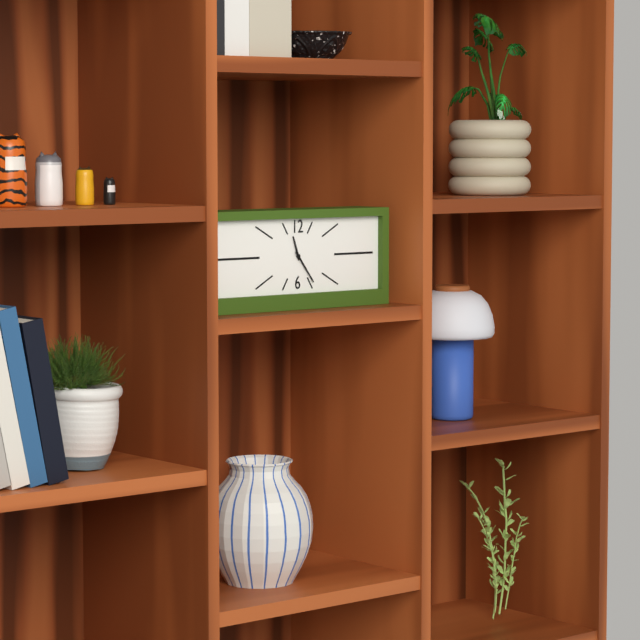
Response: 11:24
